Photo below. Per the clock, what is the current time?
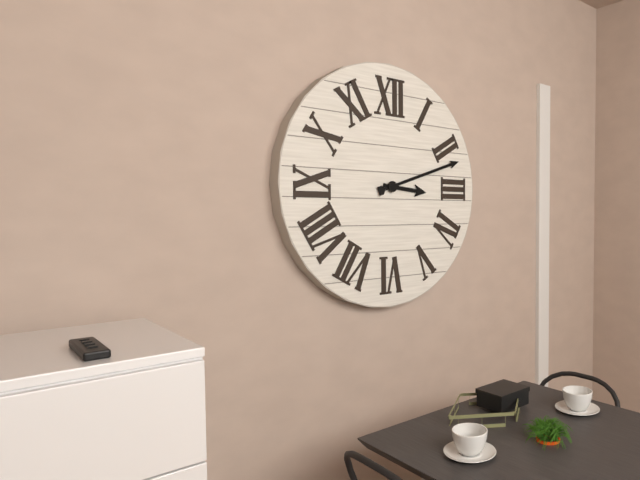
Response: 3:12
